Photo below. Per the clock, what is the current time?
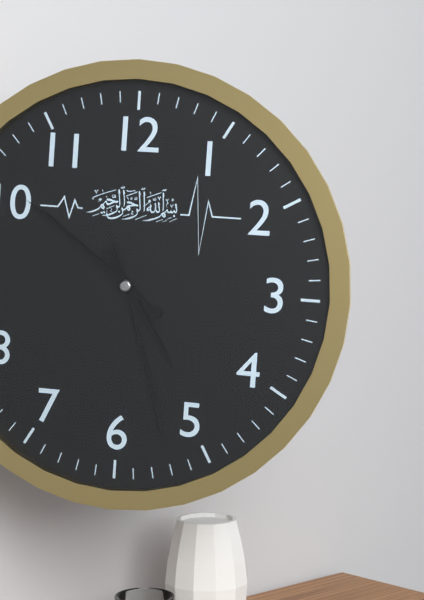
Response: 4:51:27
